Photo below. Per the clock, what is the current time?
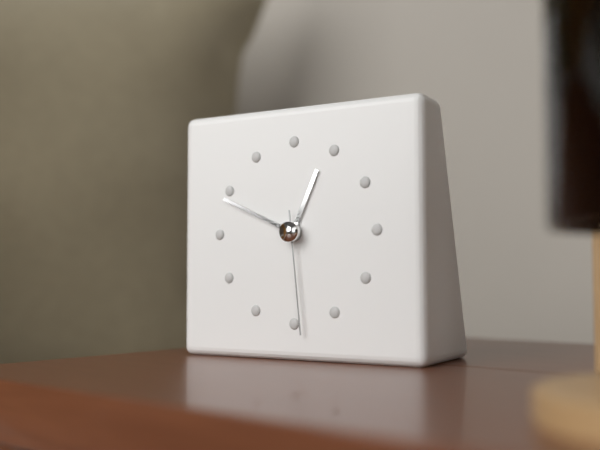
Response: 12:49:29
